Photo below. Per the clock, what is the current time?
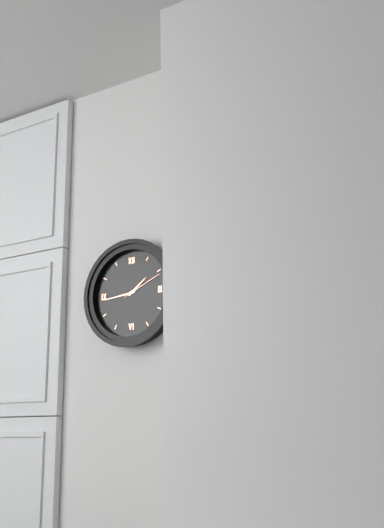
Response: 1:44
